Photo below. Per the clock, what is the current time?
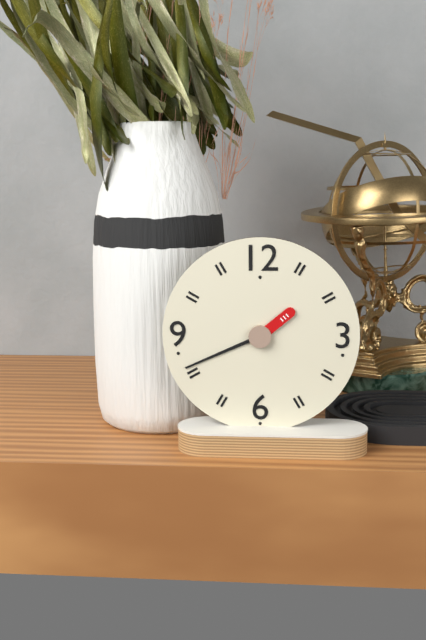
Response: 1:41
